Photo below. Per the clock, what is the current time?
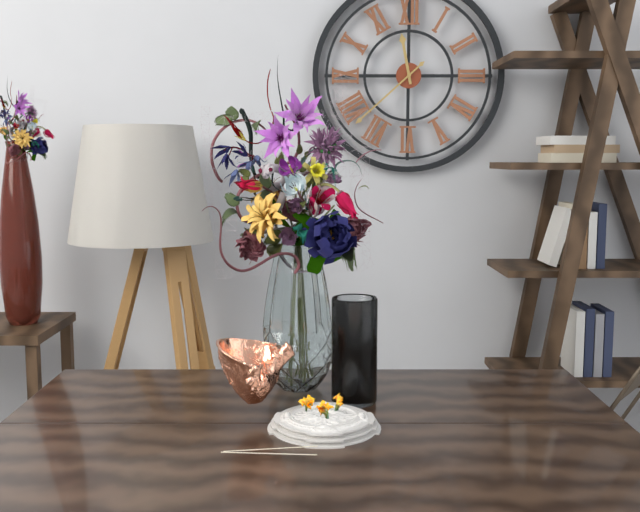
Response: 11:38
